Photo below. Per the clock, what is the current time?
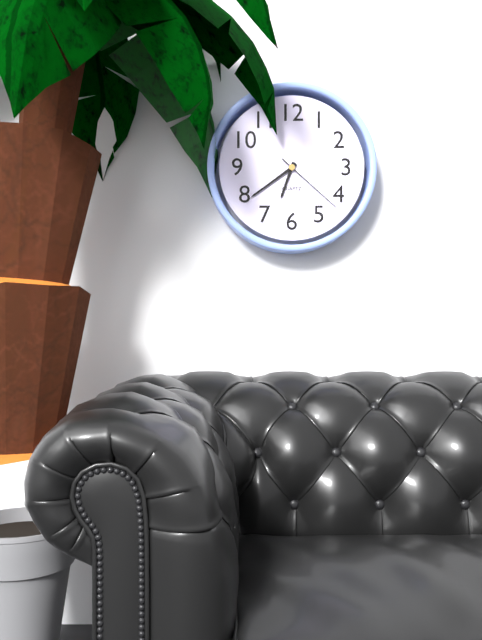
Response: 6:39:22
